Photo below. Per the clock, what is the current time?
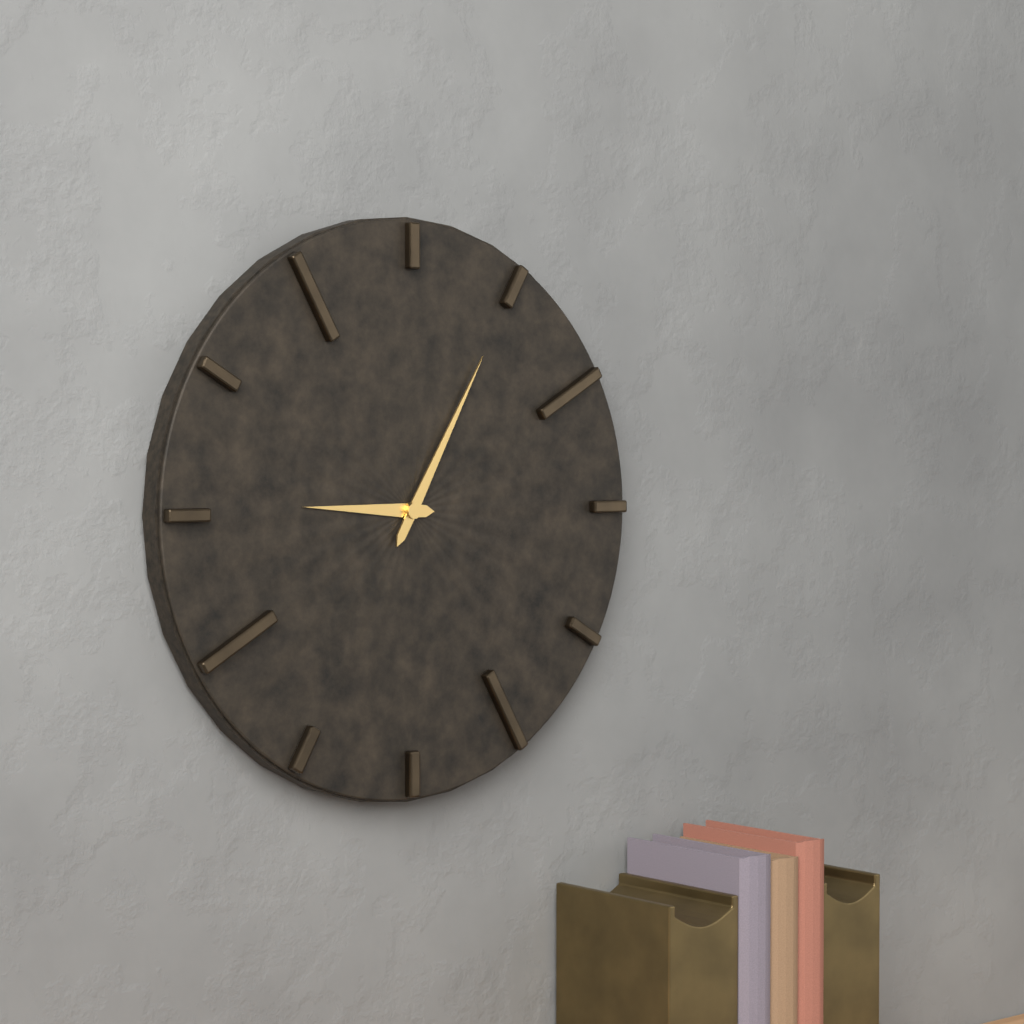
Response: 9:05
